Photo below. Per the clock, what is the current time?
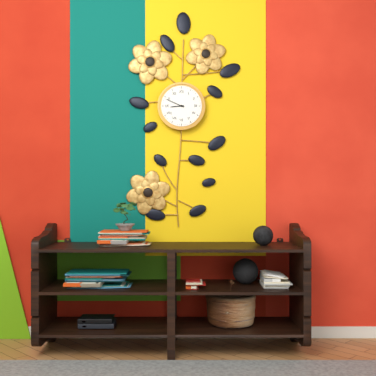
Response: 8:49
